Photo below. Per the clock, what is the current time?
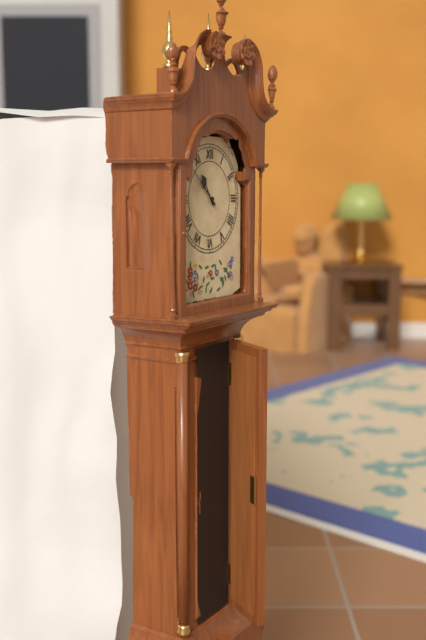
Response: 10:52
